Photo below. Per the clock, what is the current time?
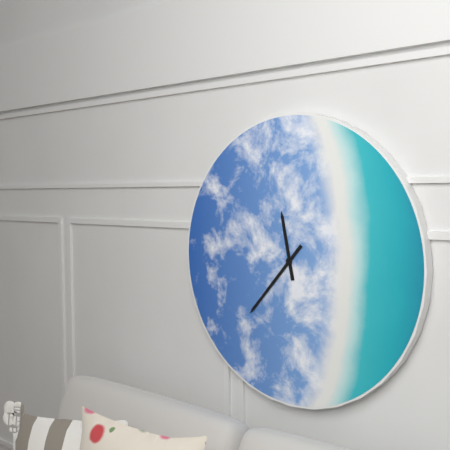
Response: 11:37
